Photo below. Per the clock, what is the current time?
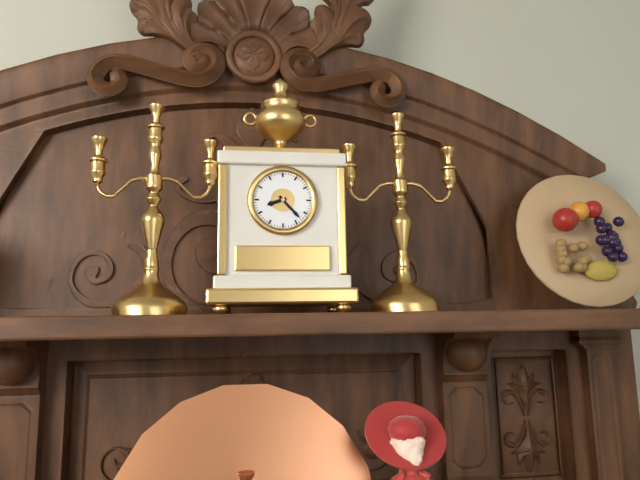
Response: 8:23
